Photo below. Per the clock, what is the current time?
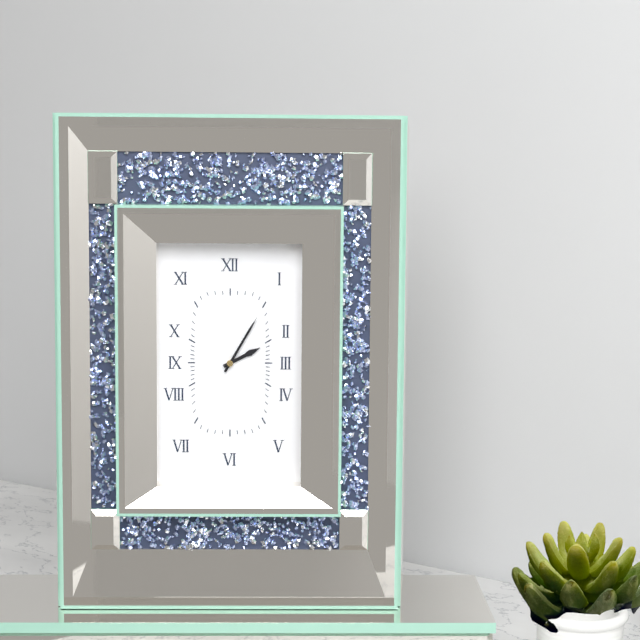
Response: 2:05
